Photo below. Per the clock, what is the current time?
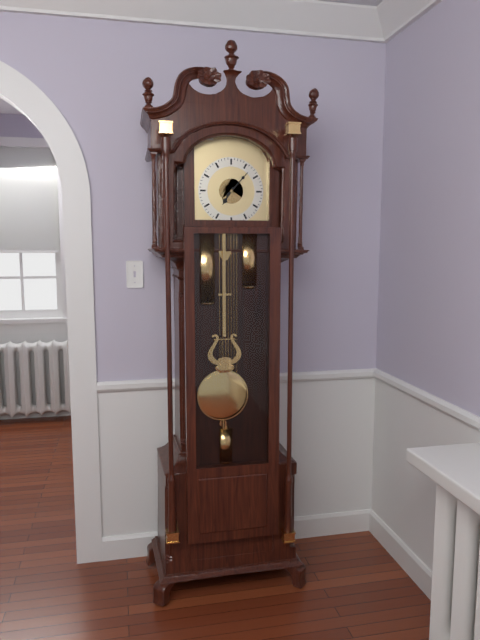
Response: 7:07
